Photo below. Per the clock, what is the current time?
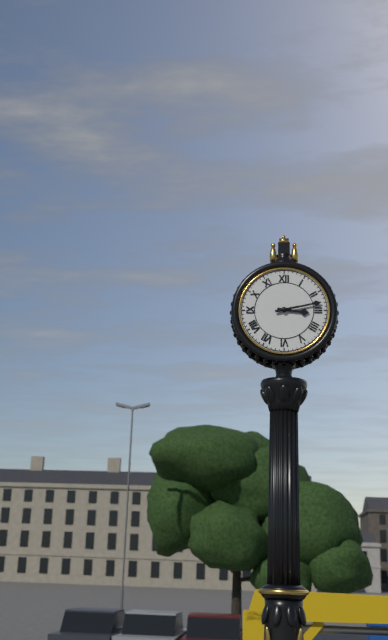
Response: 3:13
